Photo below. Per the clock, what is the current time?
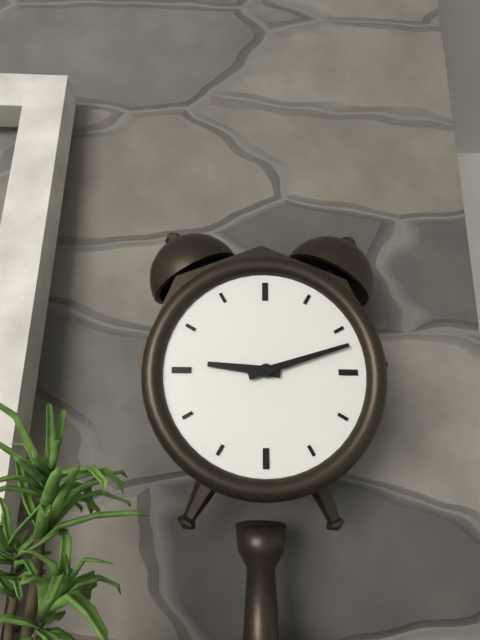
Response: 9:12
